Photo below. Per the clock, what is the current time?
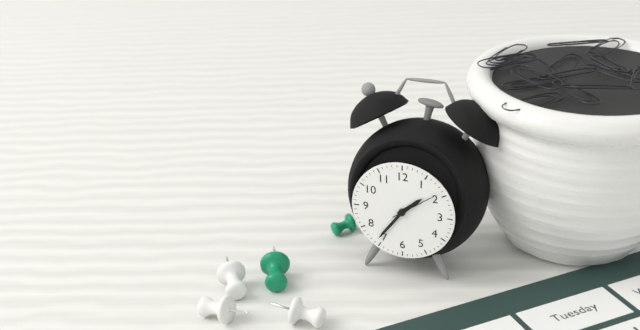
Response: 1:36:09
